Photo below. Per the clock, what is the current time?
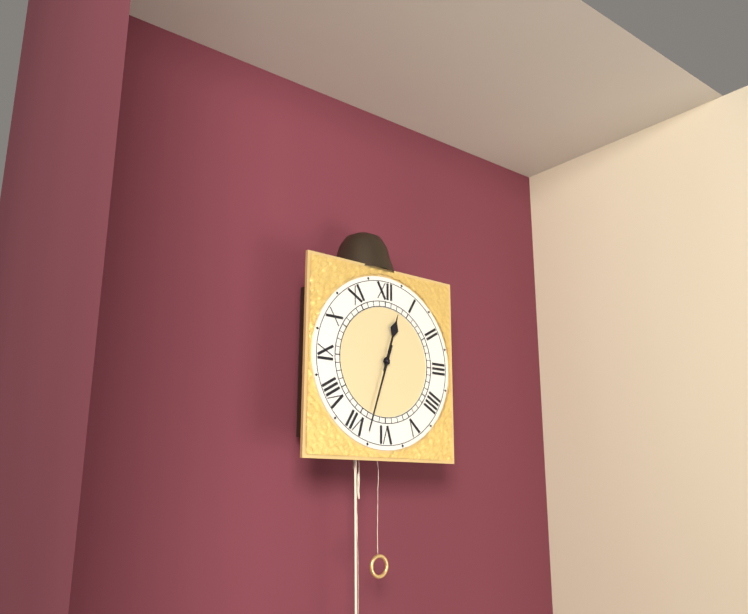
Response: 12:33
